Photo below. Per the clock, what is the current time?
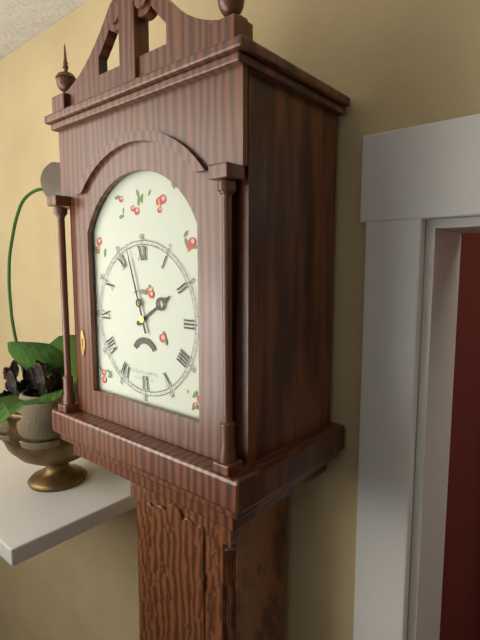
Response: 1:57
